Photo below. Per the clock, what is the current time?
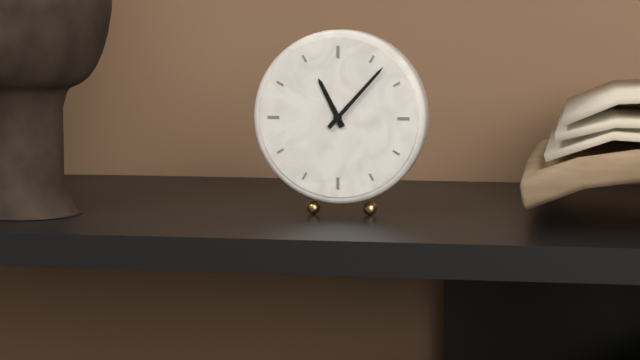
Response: 11:07
